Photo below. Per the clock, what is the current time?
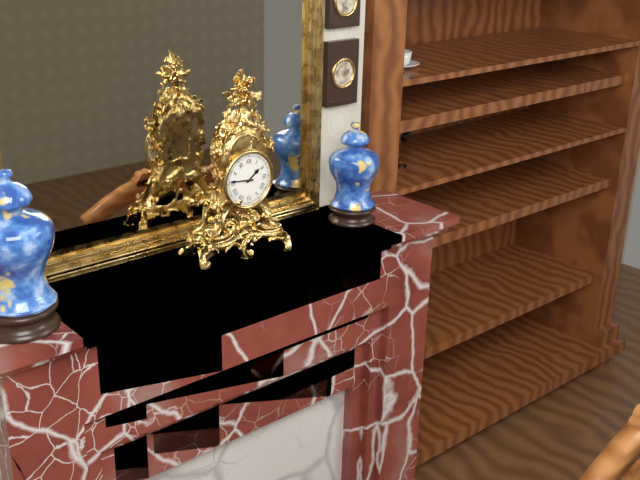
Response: 1:46
